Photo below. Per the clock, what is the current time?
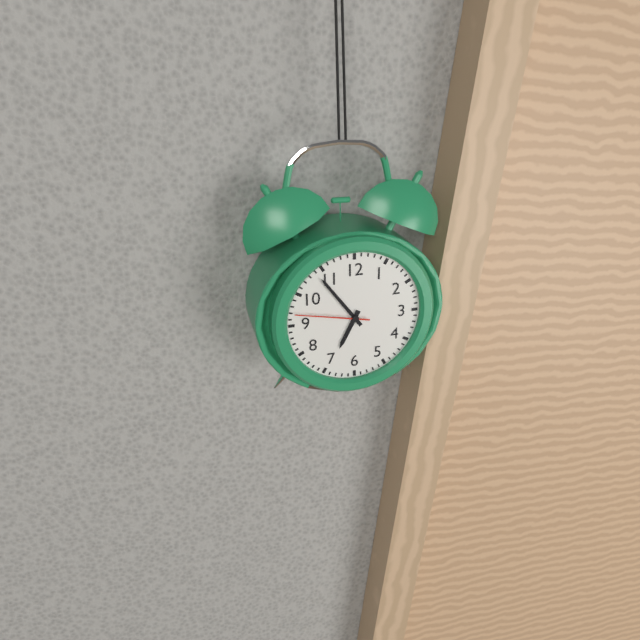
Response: 6:54:47
